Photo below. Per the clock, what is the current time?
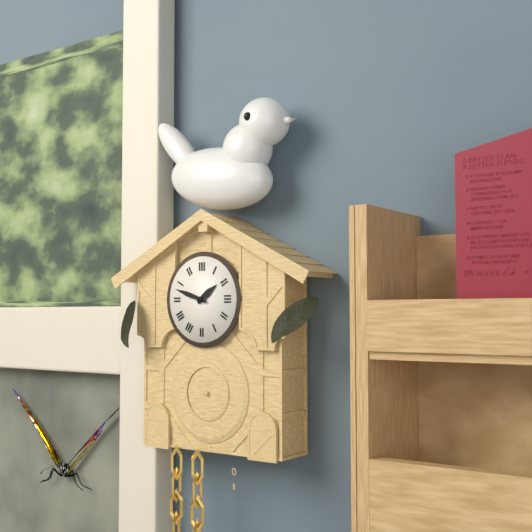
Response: 1:48
